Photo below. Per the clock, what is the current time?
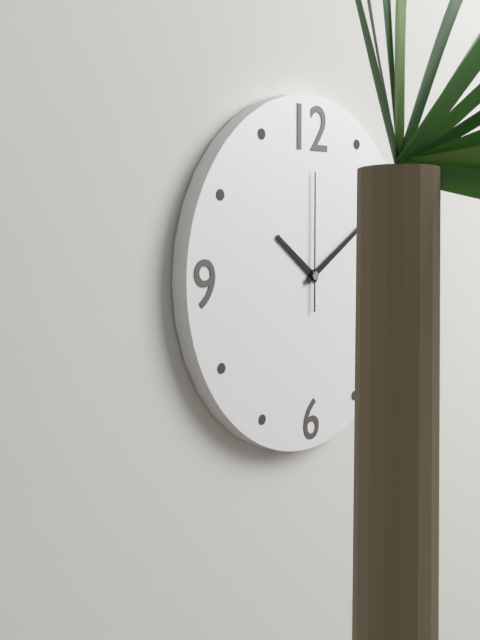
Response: 10:10:00
